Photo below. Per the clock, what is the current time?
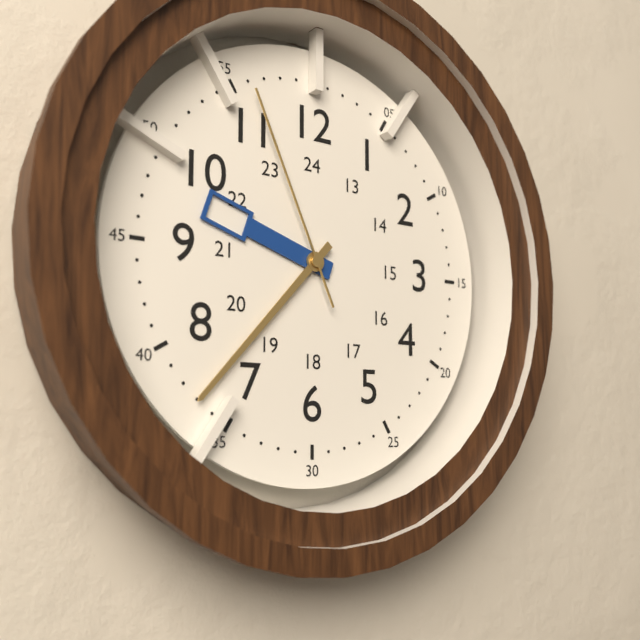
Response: 9:37:56
